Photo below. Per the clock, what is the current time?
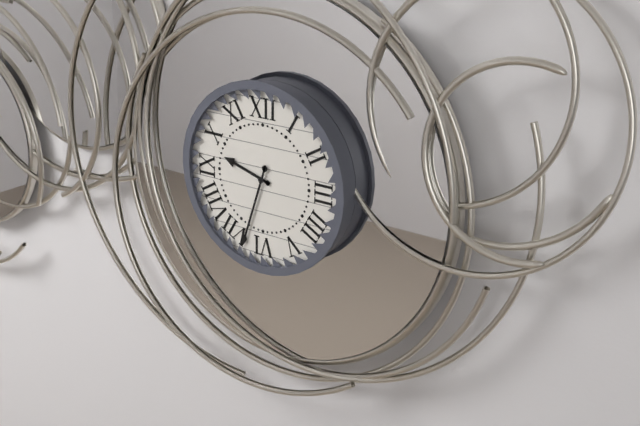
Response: 9:33
